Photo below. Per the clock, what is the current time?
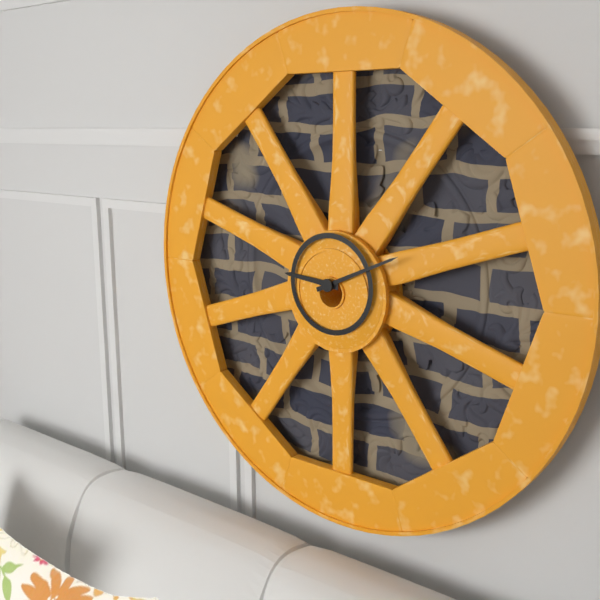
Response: 9:11
